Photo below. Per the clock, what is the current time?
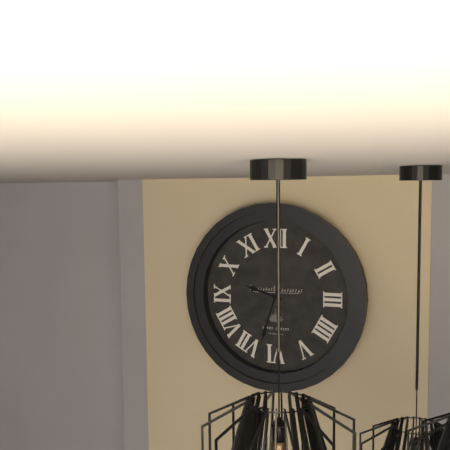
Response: 9:33
